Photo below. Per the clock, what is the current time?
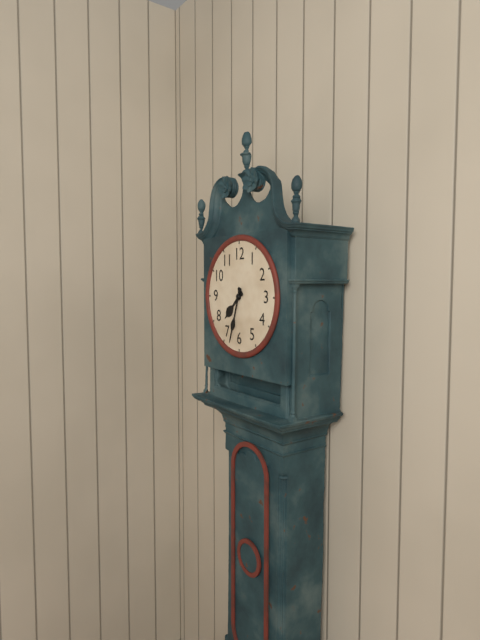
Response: 7:33
